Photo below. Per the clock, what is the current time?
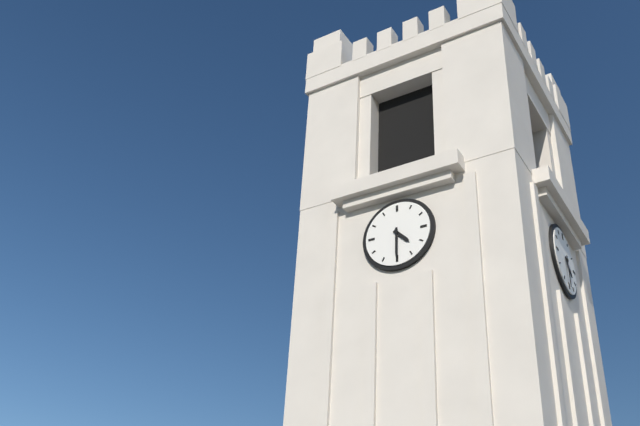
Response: 4:30
